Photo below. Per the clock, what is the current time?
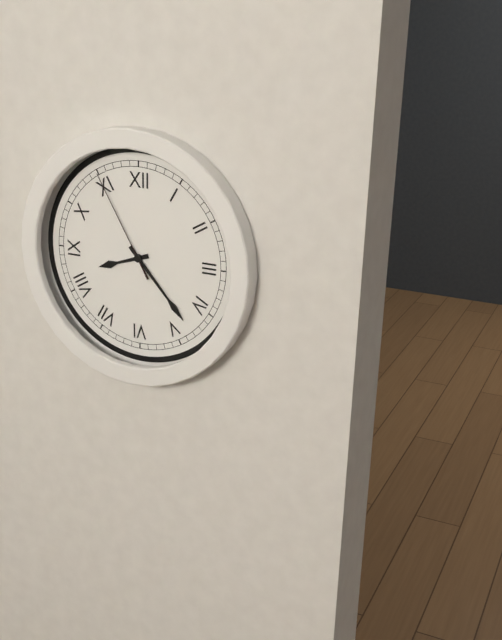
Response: 8:23:55
